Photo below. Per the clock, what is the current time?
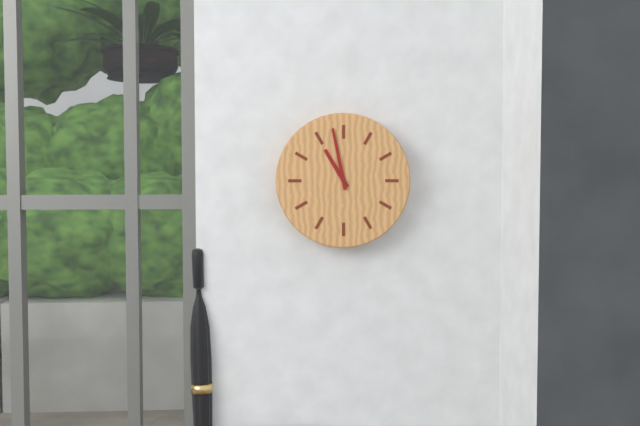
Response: 10:58
